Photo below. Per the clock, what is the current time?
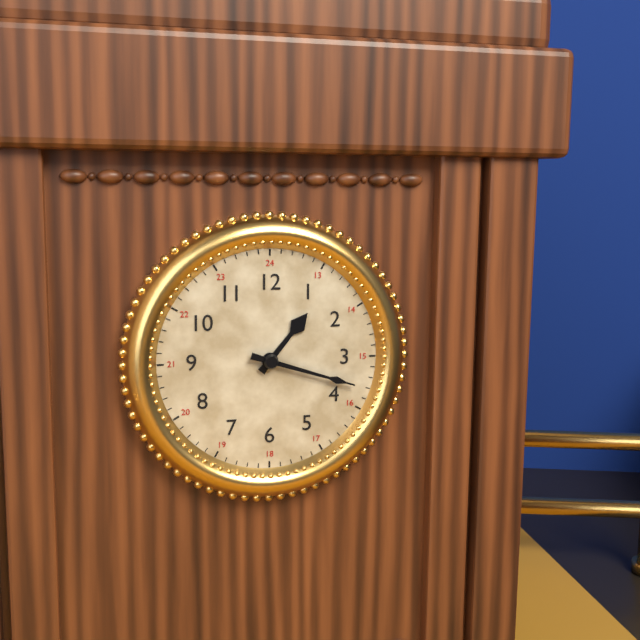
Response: 1:18
